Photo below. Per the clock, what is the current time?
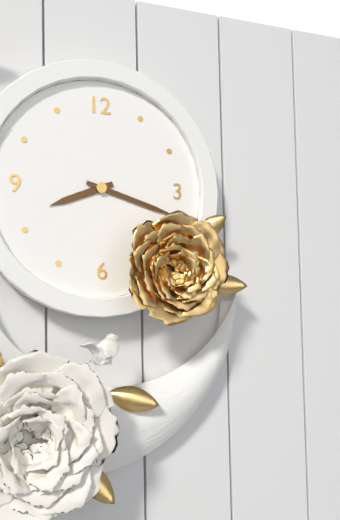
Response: 8:18
